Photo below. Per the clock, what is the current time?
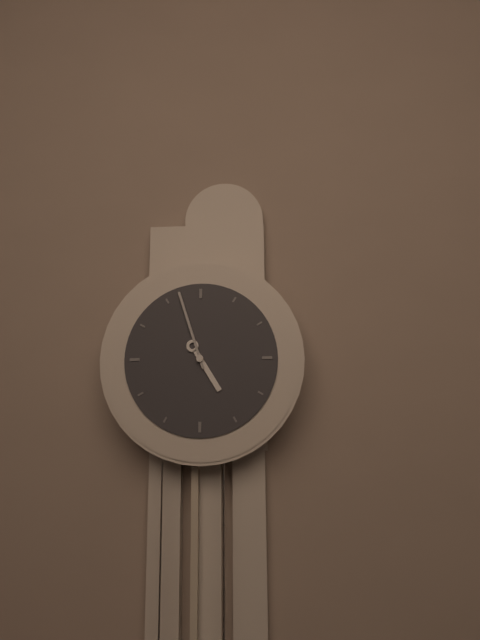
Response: 4:57
